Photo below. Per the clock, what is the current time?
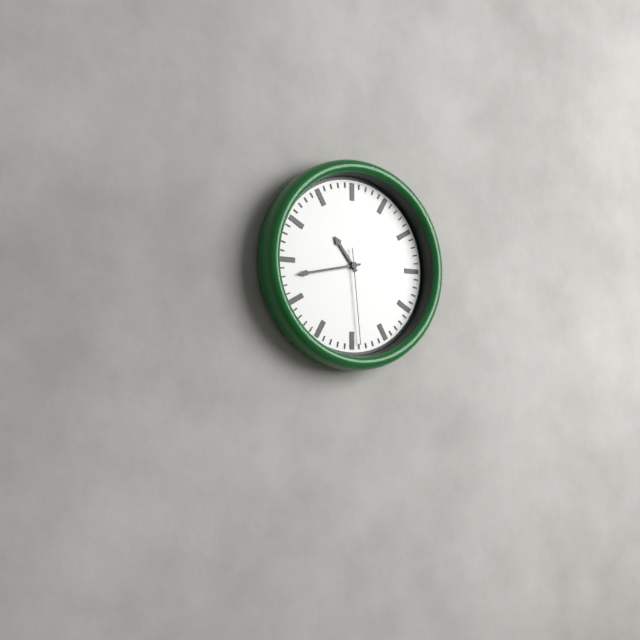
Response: 10:43:29
